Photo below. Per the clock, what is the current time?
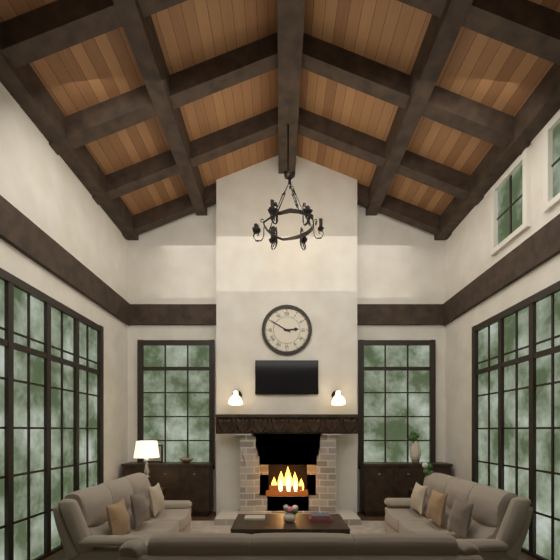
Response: 2:50
